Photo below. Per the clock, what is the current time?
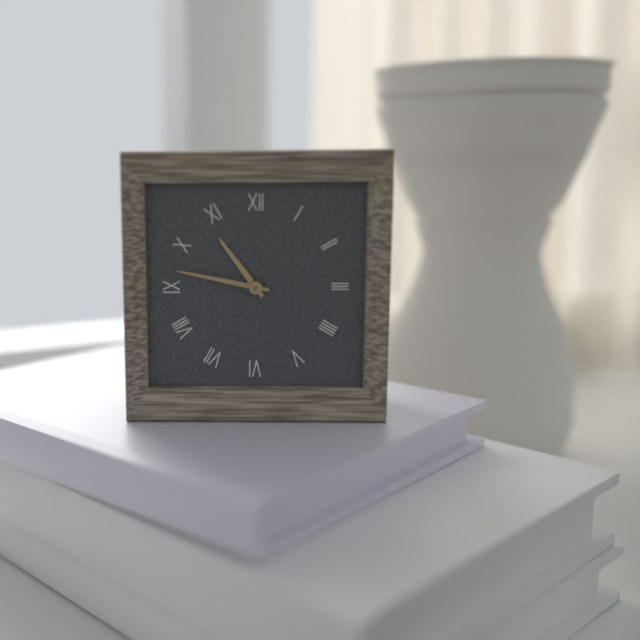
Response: 10:47
